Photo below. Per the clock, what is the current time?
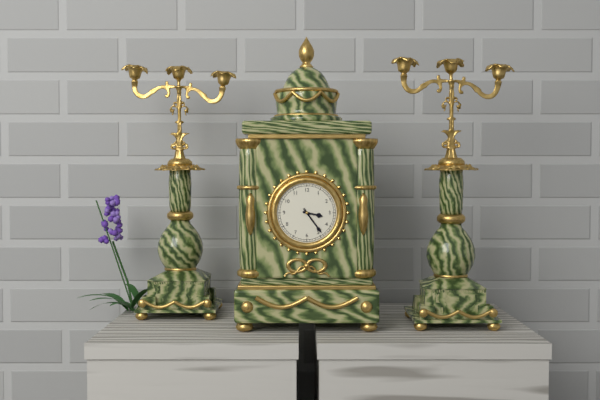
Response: 3:24
